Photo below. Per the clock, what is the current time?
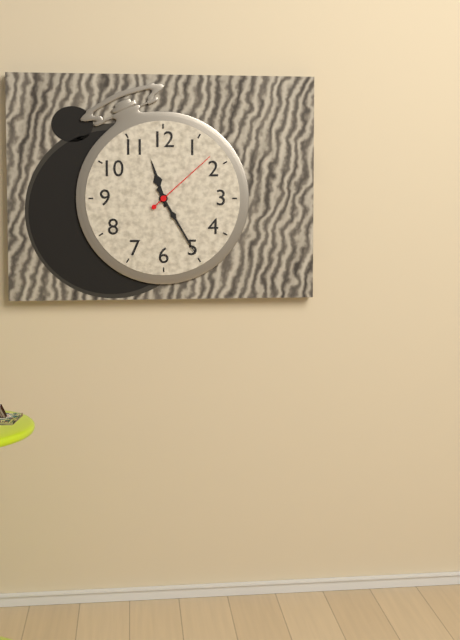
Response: 11:25:08
